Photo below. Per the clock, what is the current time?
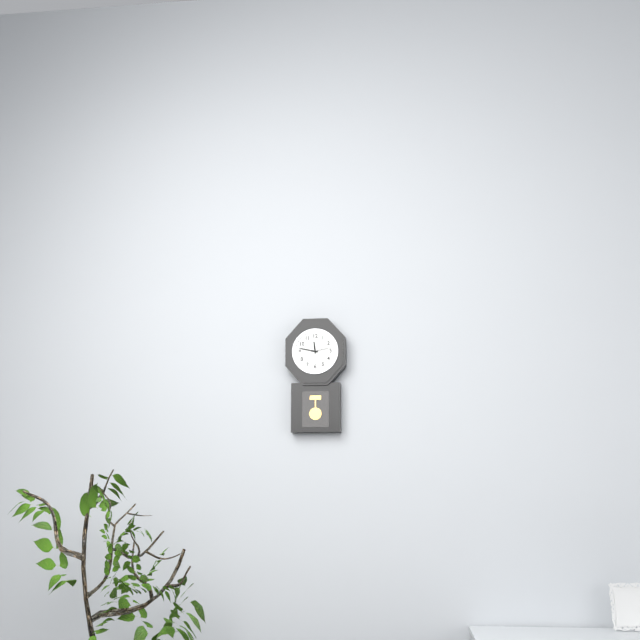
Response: 11:47
